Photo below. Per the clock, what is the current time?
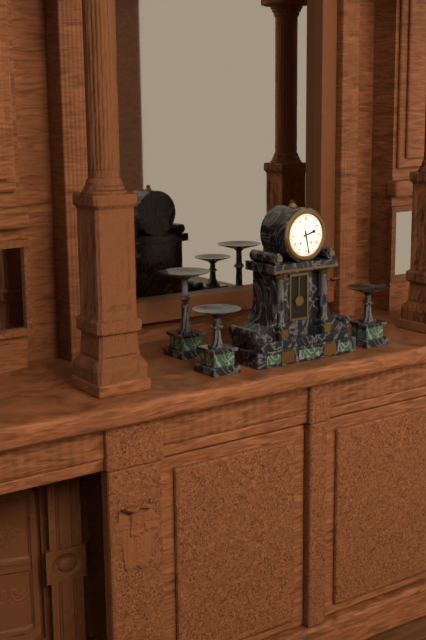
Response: 2:28
